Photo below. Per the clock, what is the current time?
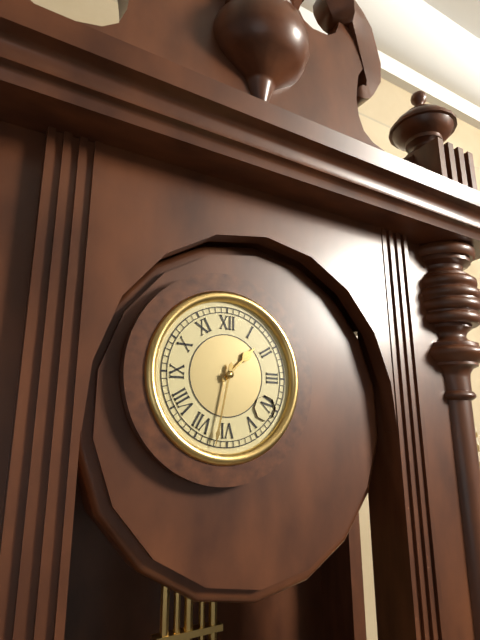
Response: 1:32
